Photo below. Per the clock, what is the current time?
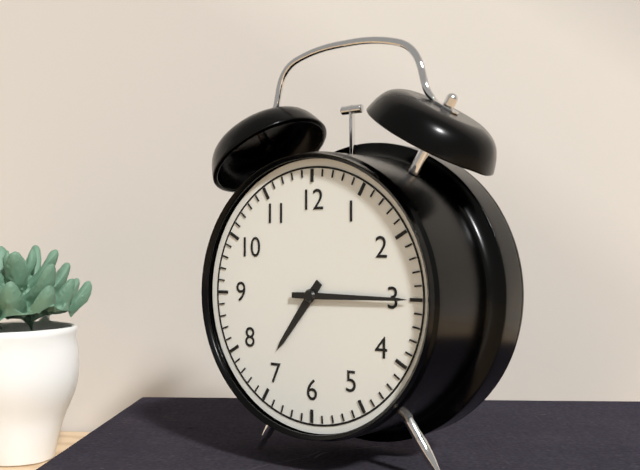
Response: 7:15
